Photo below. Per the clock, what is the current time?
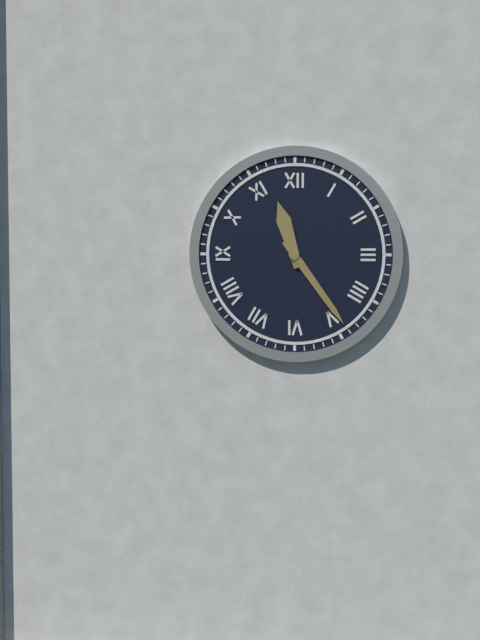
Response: 11:24
